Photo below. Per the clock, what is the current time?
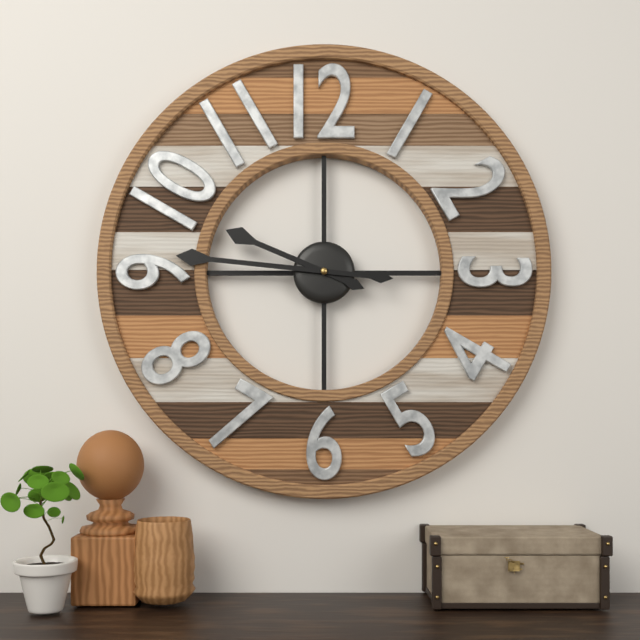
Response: 9:46
